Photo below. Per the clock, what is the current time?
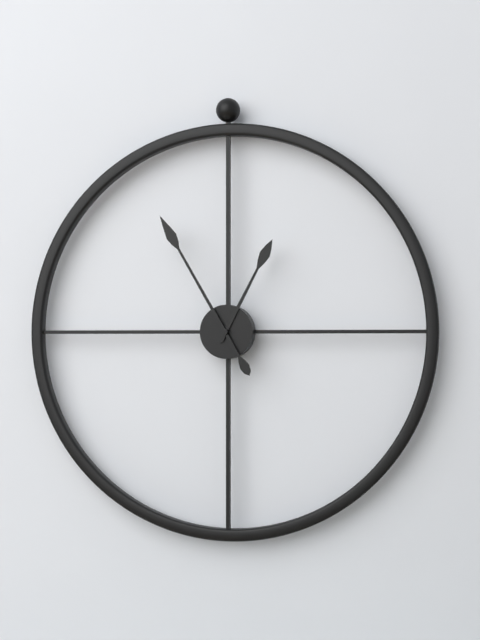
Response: 12:55
